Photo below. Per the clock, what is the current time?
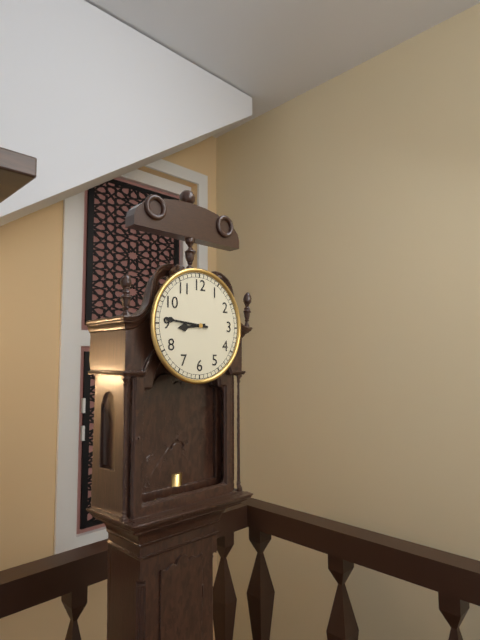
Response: 8:46
